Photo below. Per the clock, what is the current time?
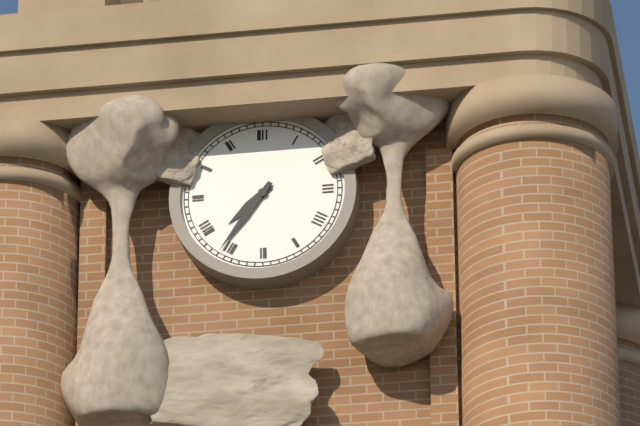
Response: 7:36
